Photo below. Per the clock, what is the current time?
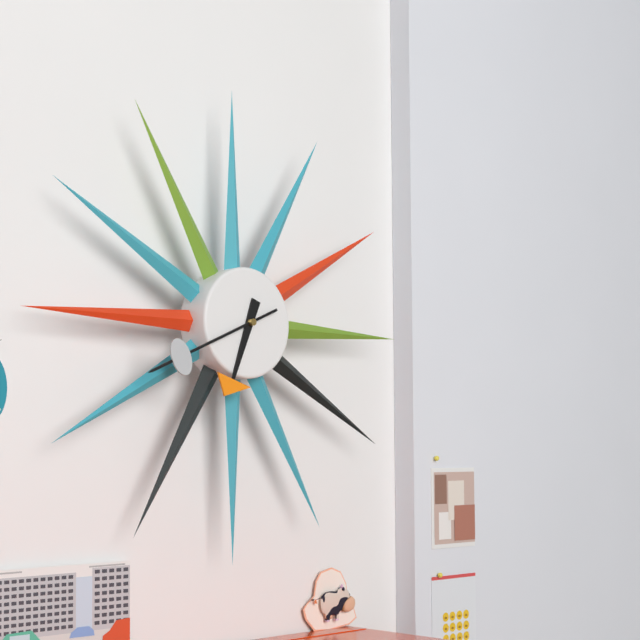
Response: 6:41
